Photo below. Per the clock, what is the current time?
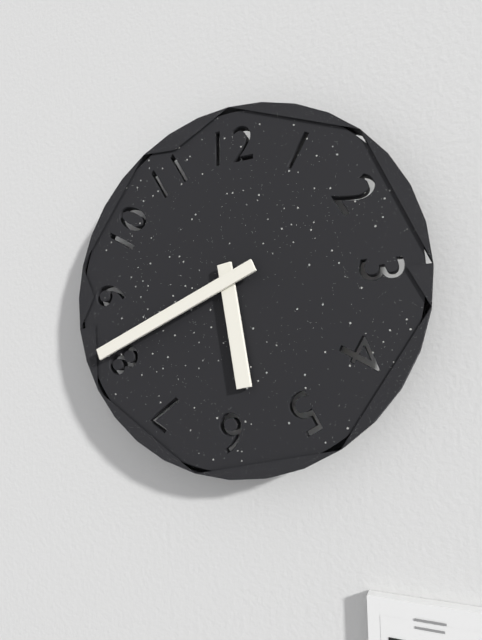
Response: 5:41
